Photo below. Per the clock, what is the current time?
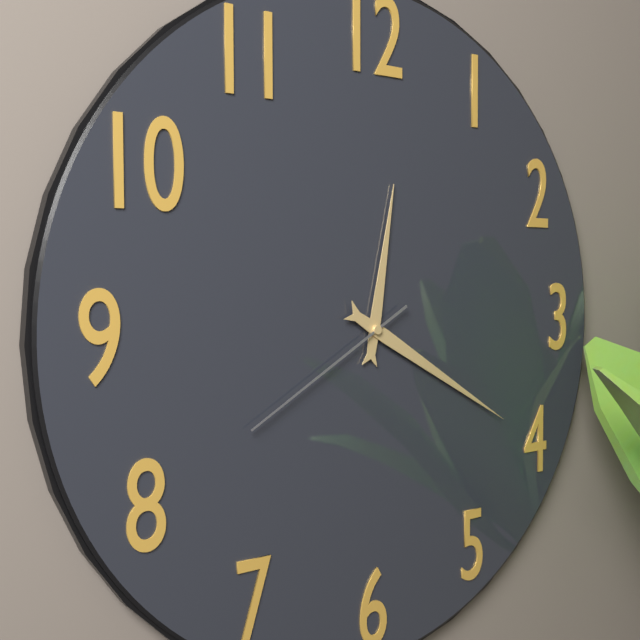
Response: 12:20:40
